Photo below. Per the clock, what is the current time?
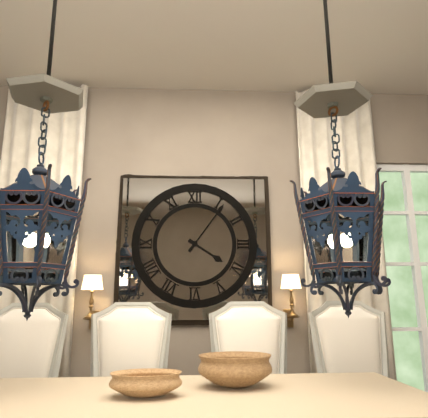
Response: 4:06
